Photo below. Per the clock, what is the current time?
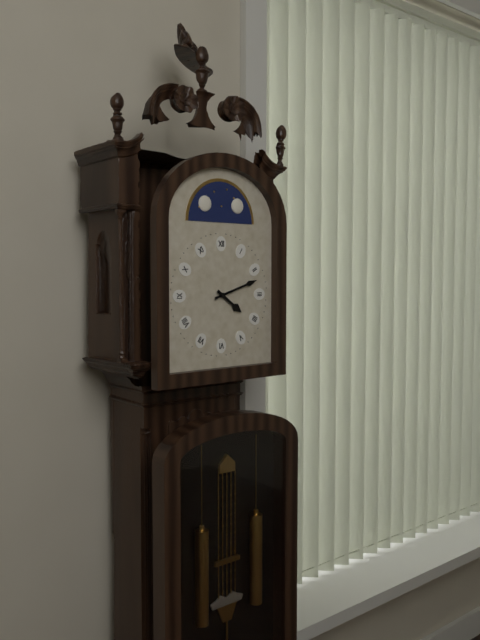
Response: 4:12
